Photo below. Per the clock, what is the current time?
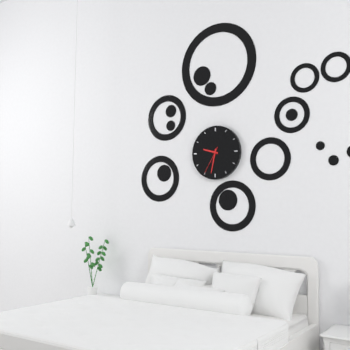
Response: 9:32
